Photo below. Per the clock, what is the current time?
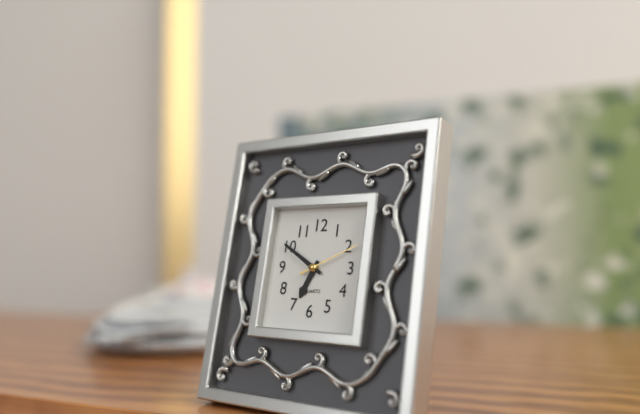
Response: 6:50:11
